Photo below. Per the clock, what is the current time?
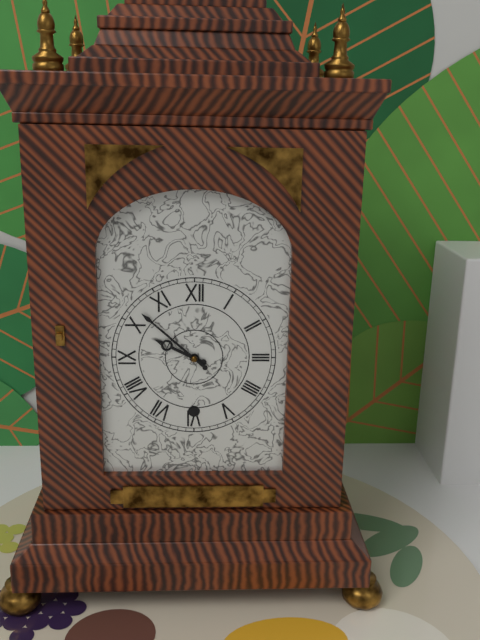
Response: 9:52
